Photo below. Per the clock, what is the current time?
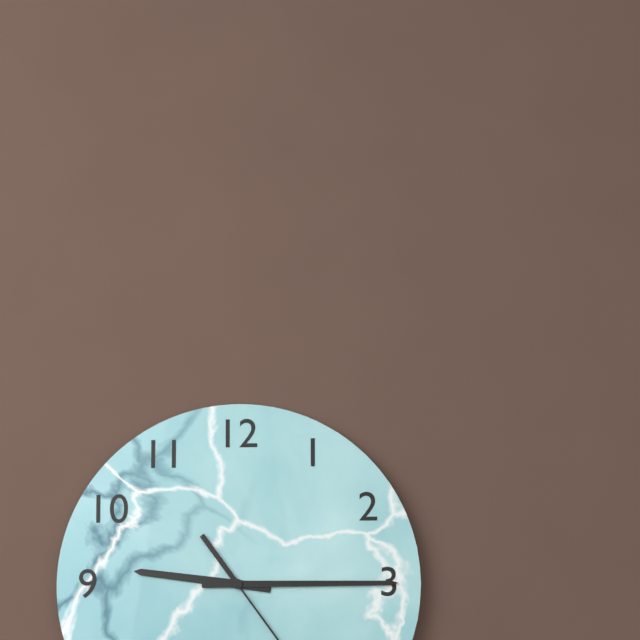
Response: 9:15
